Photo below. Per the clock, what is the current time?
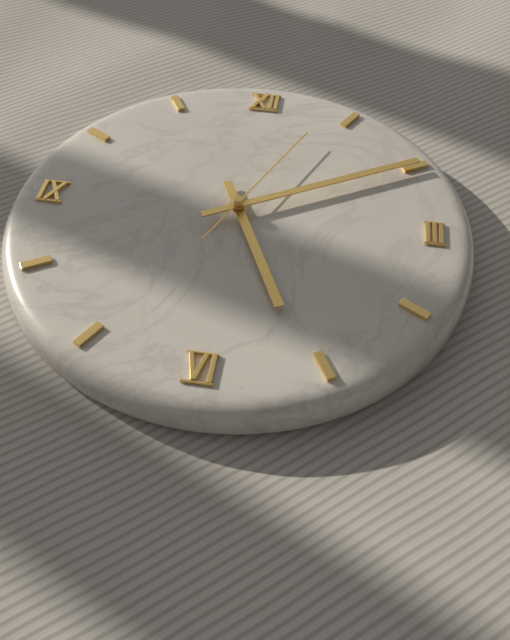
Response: 5:10:04
